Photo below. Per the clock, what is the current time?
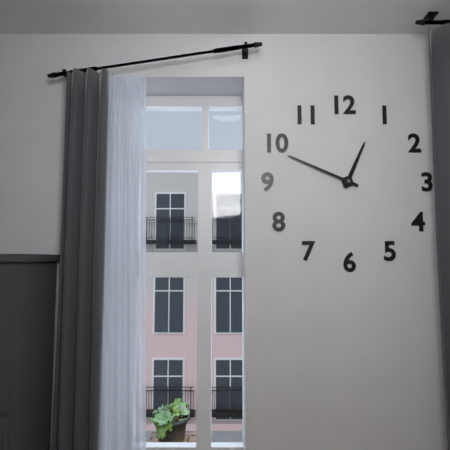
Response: 12:49
